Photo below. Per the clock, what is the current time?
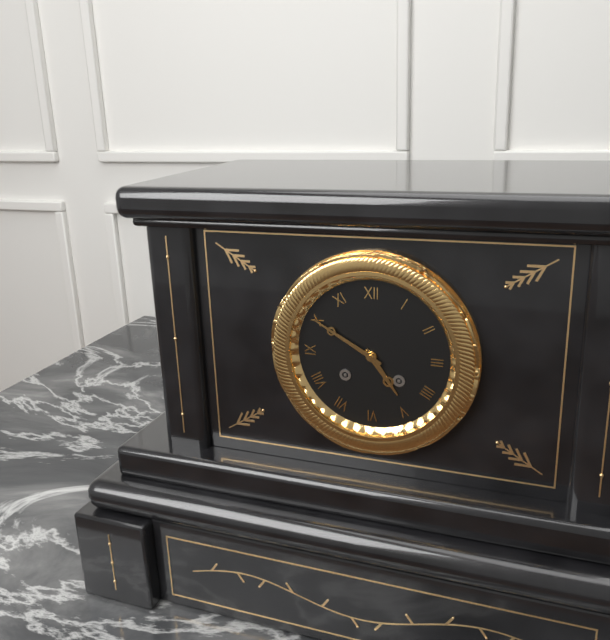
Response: 4:50
